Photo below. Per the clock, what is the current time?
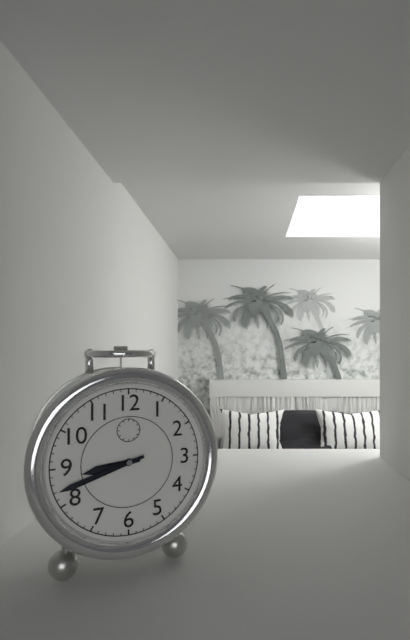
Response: 8:42
